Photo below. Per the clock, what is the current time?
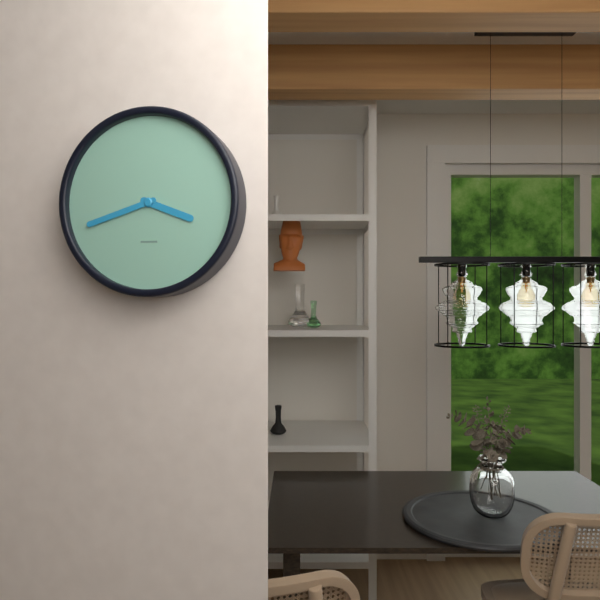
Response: 3:42
